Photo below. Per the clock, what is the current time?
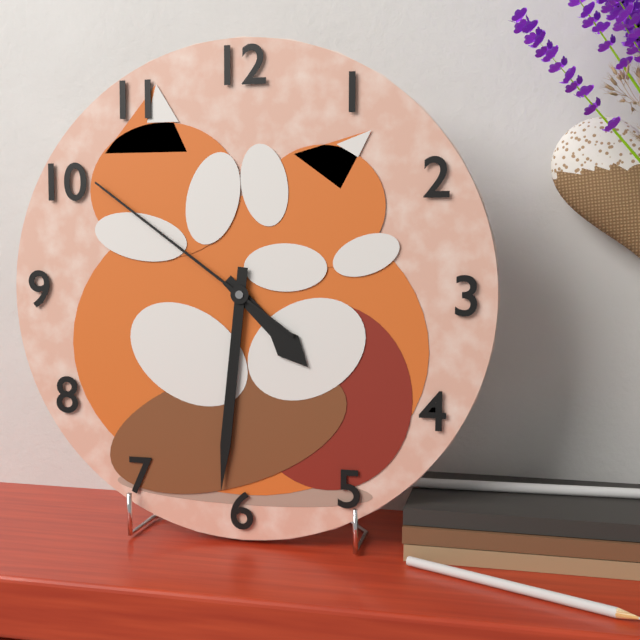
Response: 4:31:51
